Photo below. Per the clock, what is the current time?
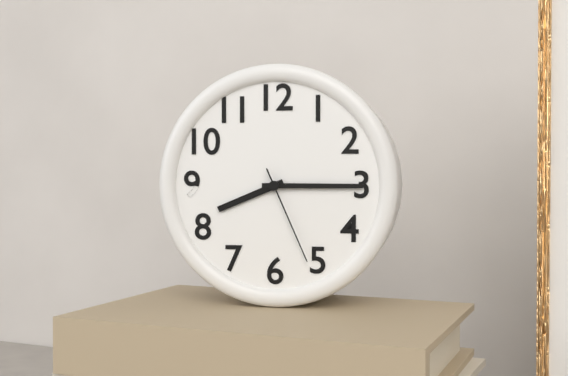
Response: 8:15:26
